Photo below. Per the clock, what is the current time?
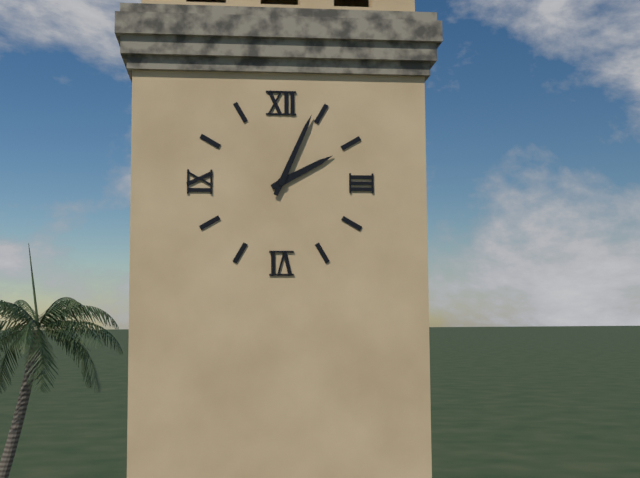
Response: 2:04
